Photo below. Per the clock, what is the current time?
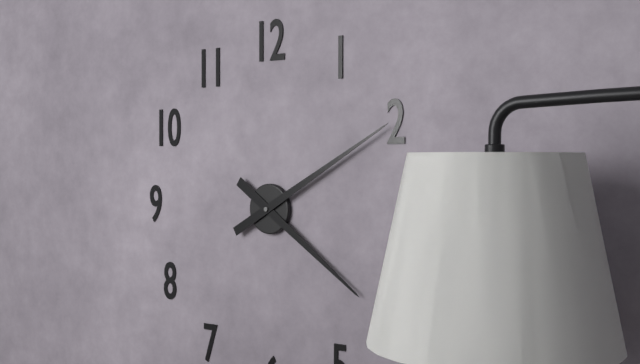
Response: 4:10
